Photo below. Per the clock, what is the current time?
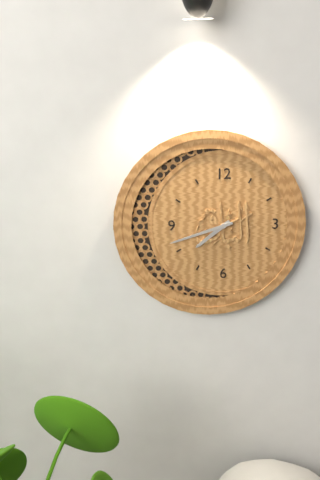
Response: 7:42
